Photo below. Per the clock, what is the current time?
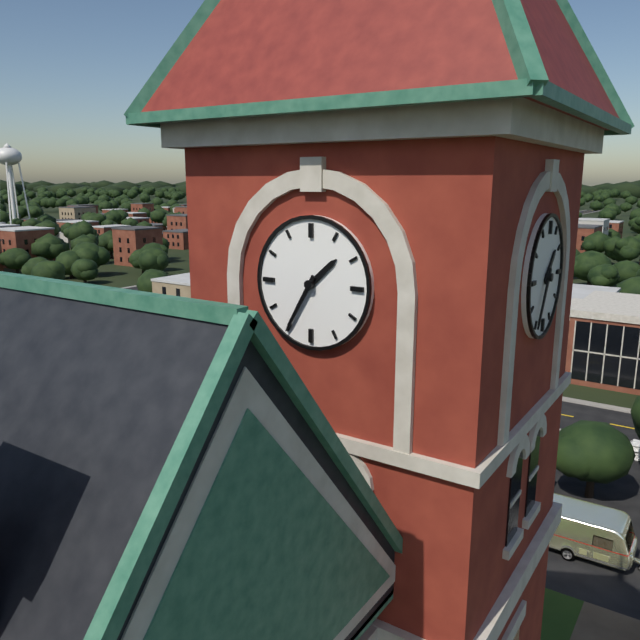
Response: 1:35
